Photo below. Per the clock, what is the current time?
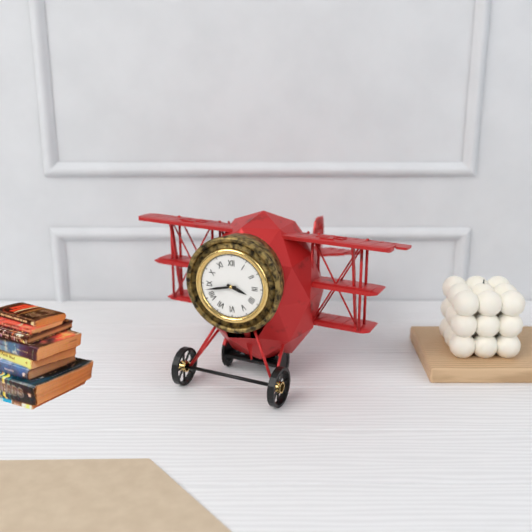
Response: 3:43
